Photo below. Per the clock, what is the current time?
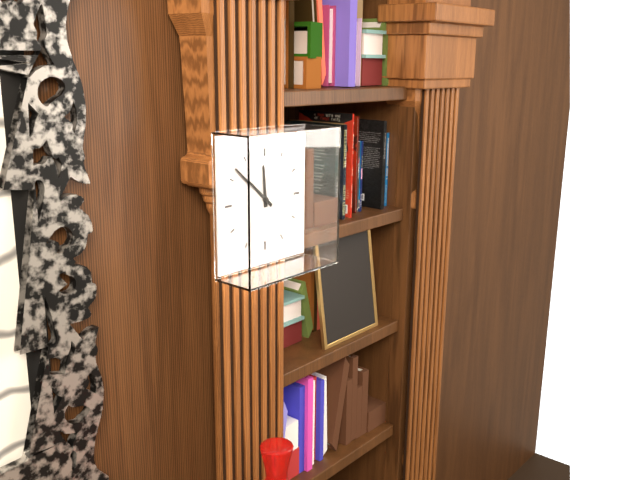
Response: 11:52
